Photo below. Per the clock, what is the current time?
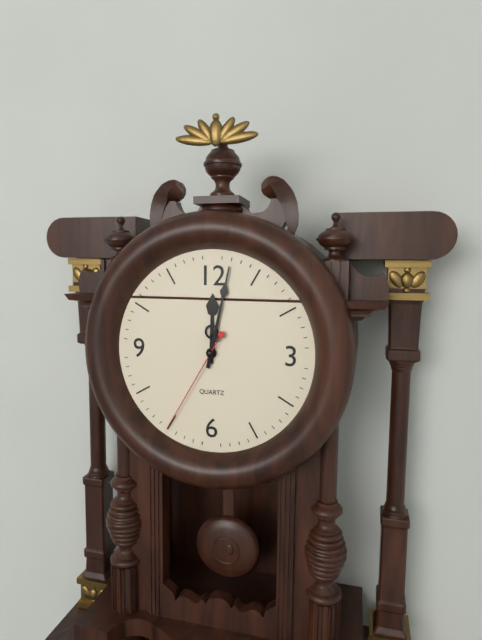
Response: 12:02:35
